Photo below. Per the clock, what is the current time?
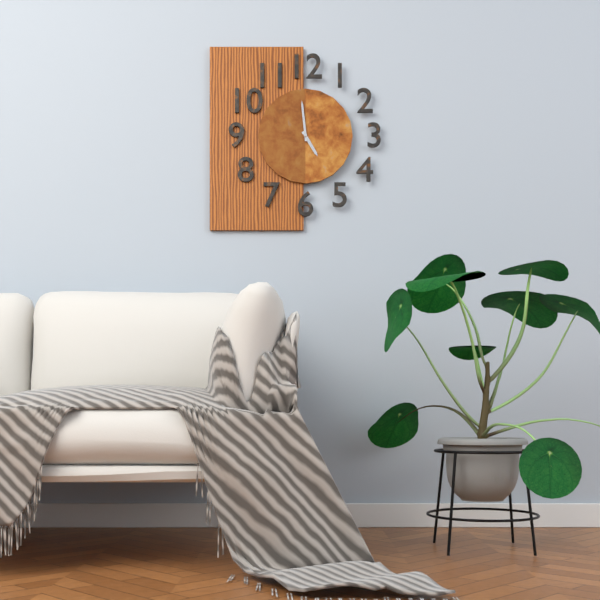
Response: 4:59
